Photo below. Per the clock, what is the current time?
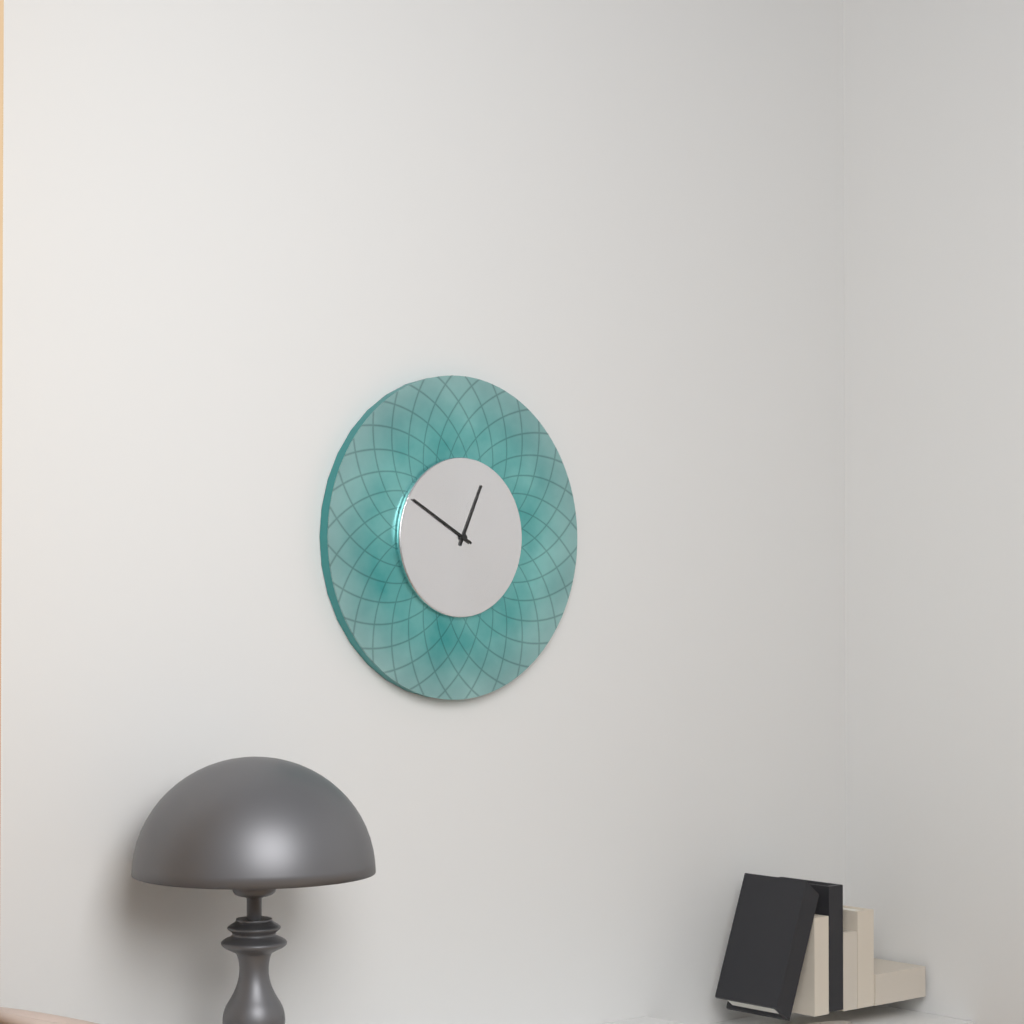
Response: 12:50
